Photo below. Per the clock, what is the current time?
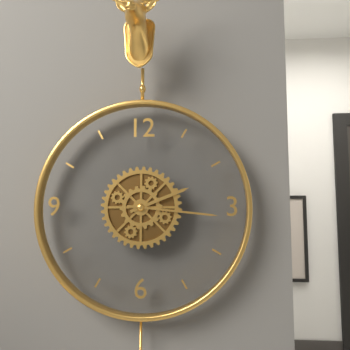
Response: 2:16
